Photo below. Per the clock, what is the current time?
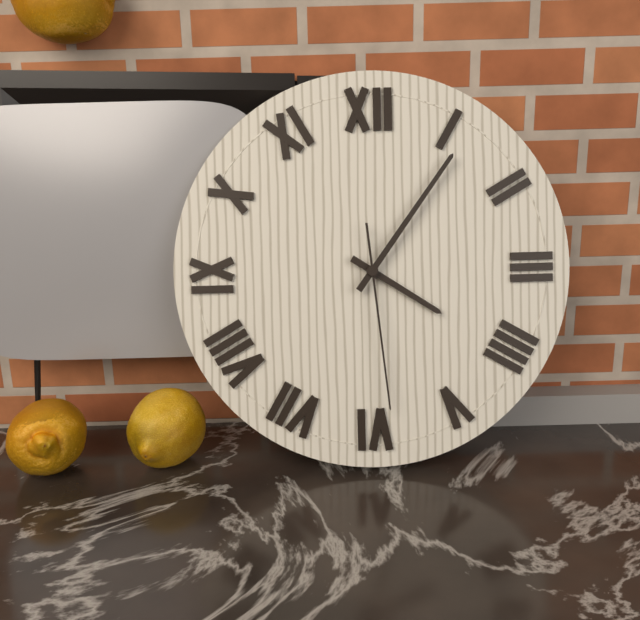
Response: 4:06:29
